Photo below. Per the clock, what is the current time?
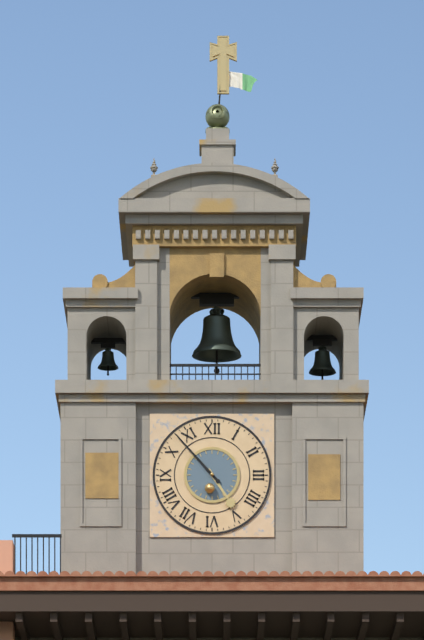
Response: 4:53
